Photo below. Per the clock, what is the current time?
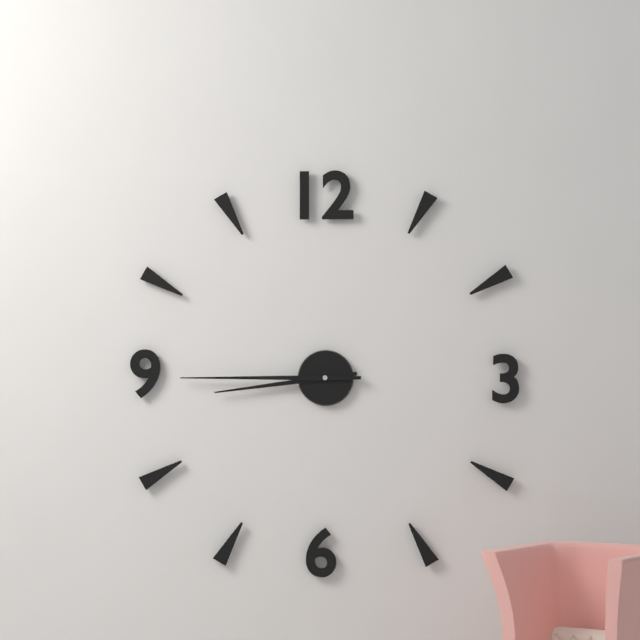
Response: 8:45
